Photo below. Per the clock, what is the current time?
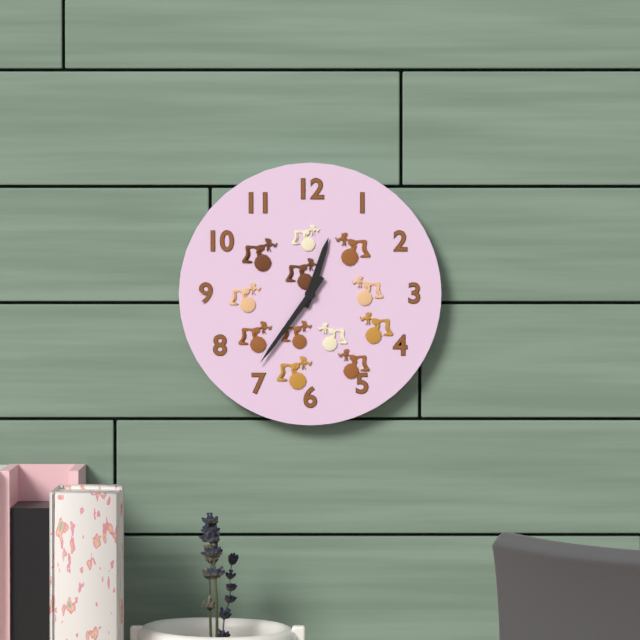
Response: 12:36
